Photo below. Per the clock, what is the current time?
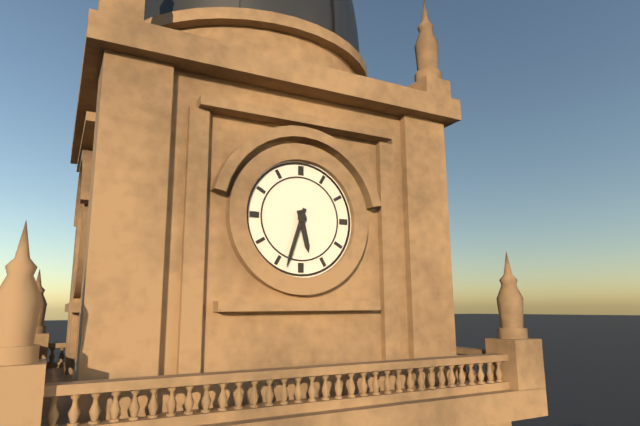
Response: 5:33
